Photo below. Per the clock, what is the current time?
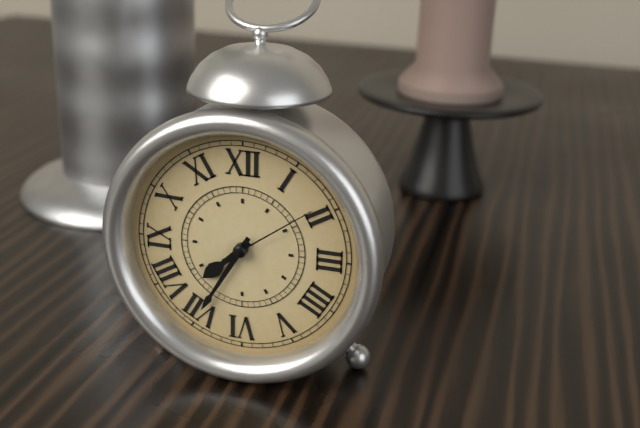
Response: 7:35:09
